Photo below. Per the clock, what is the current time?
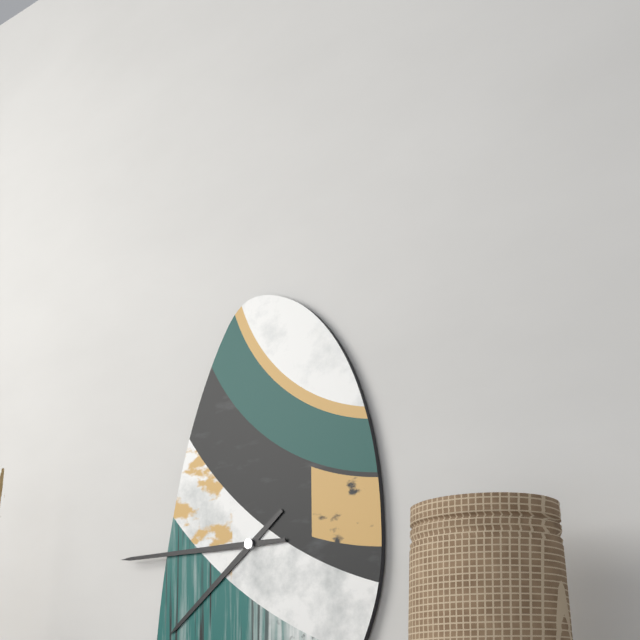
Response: 7:45
